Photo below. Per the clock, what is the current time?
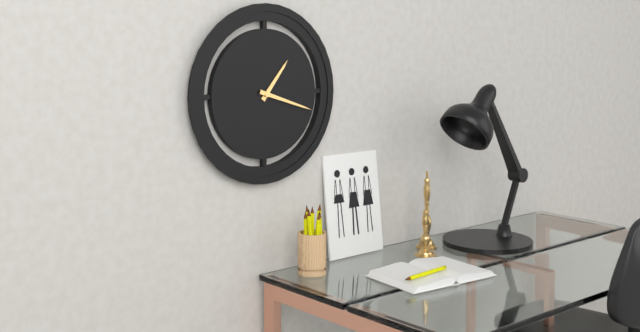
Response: 1:18
